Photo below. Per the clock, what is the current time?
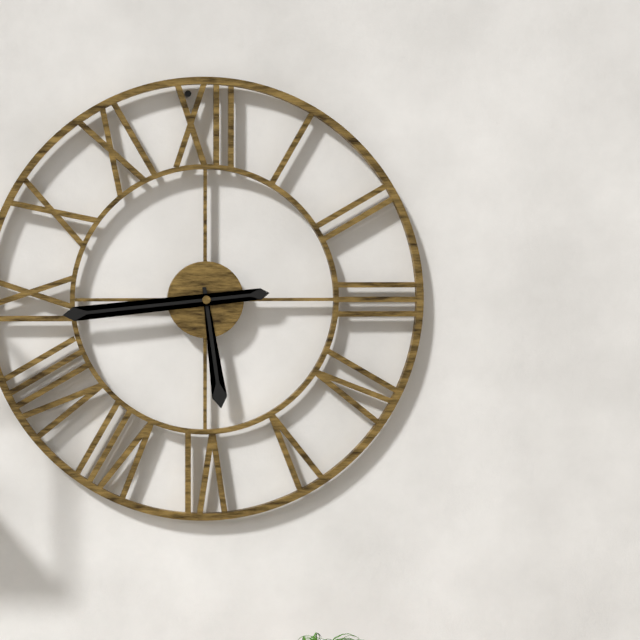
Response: 5:44
